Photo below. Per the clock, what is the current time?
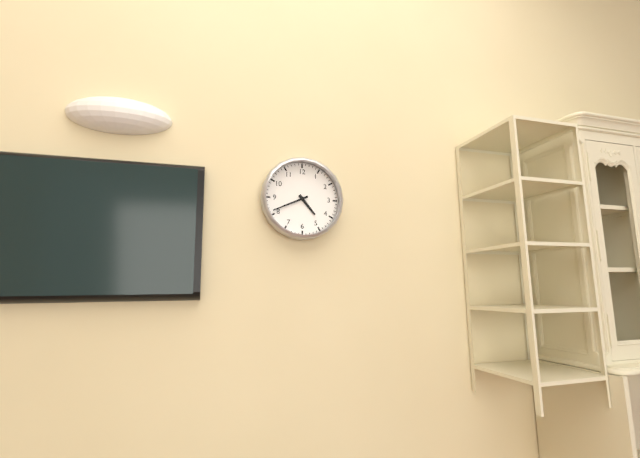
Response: 4:41
